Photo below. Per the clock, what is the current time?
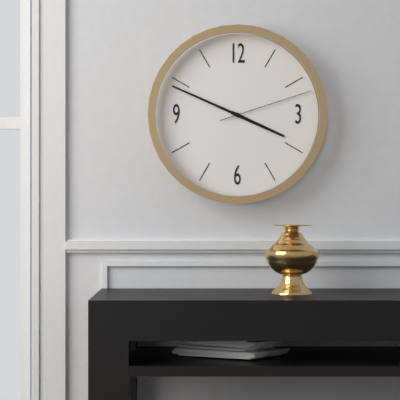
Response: 3:49:12
